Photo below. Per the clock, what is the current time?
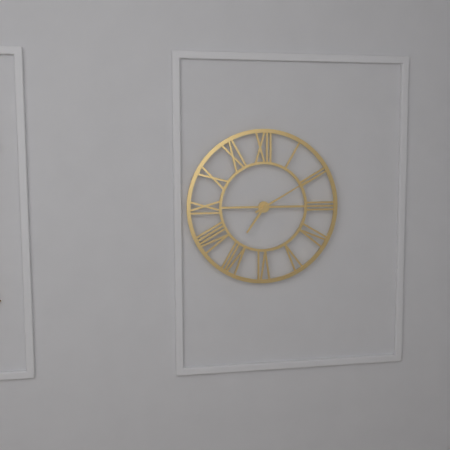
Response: 7:10
